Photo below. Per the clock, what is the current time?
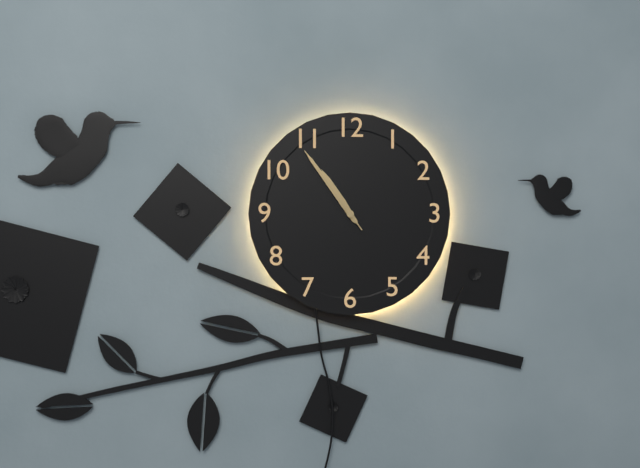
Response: 10:54:54
